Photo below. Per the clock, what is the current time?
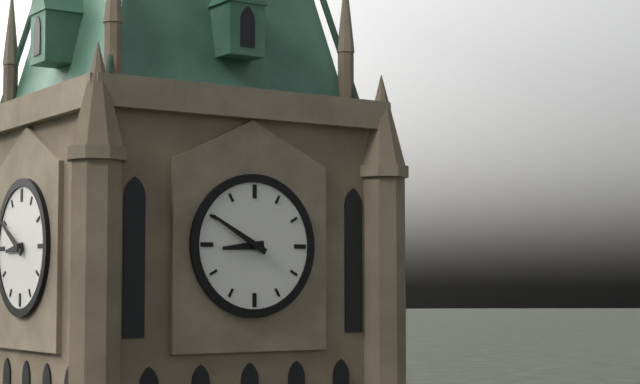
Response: 8:50
